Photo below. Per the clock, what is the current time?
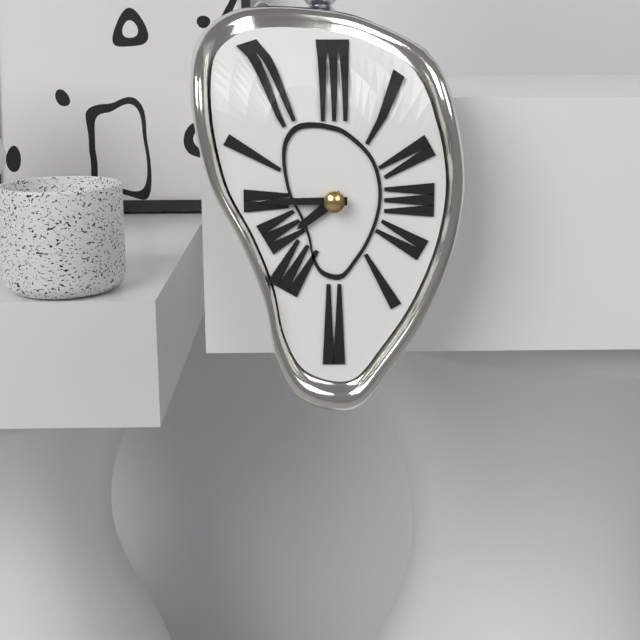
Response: 7:45
